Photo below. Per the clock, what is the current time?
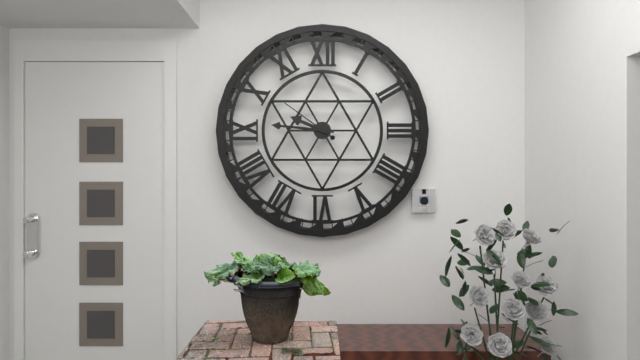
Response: 9:46:51
